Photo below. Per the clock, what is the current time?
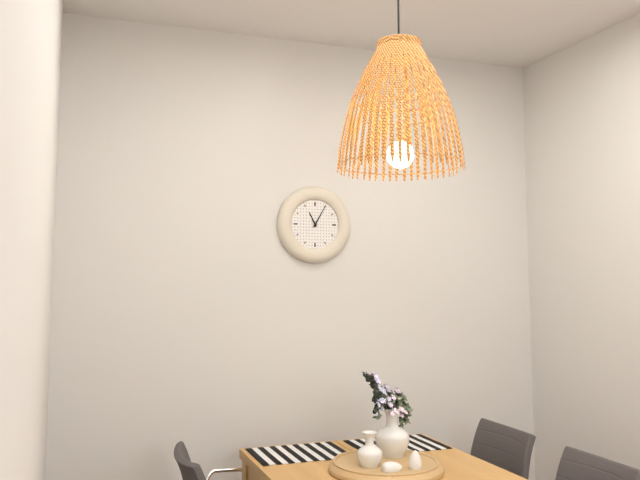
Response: 11:05
